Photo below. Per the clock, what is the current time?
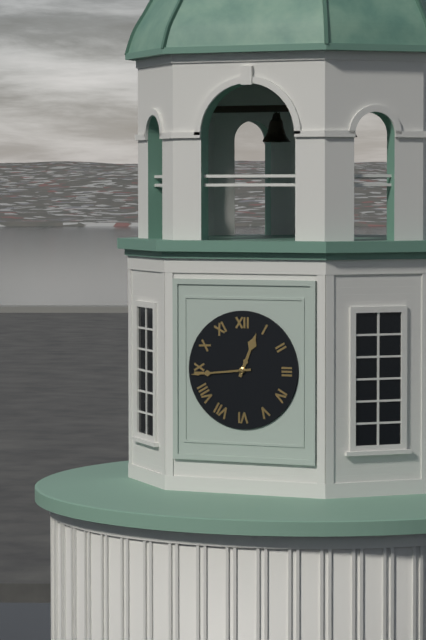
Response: 12:44
